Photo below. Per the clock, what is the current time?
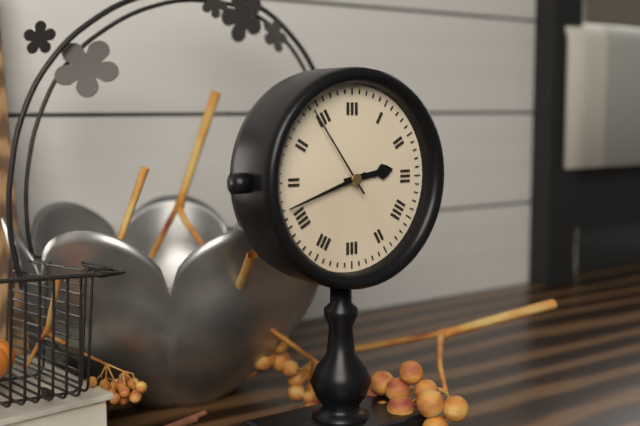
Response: 2:42:54
